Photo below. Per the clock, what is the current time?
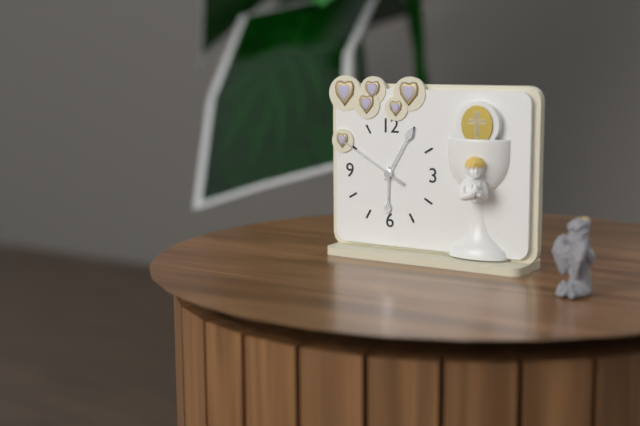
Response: 6:05:50
